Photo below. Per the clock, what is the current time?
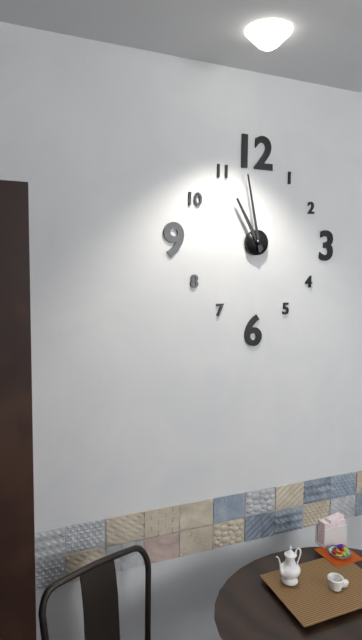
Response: 10:58
